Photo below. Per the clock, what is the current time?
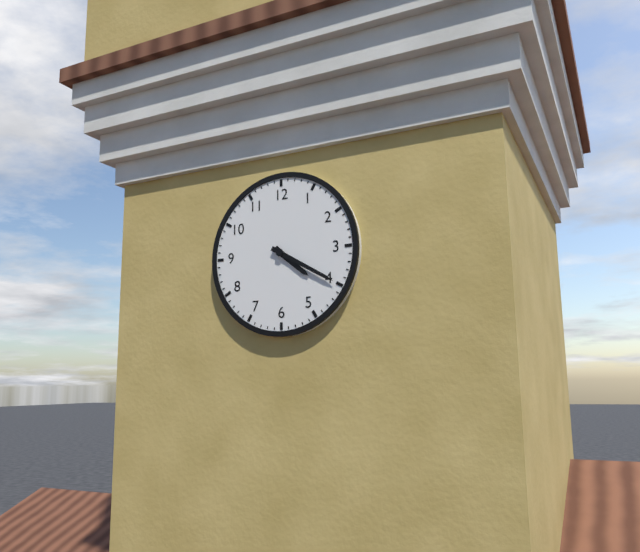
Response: 4:20
